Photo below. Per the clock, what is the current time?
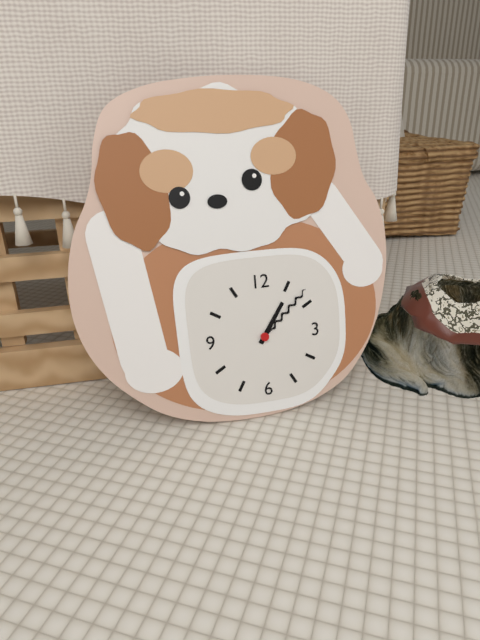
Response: 1:08
